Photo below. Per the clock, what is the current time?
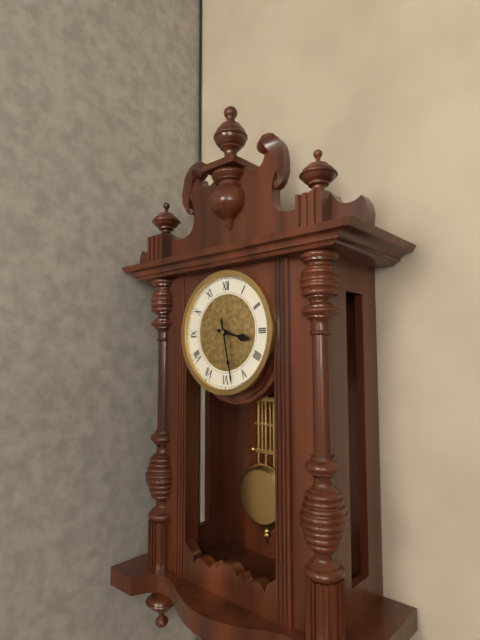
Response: 3:28
